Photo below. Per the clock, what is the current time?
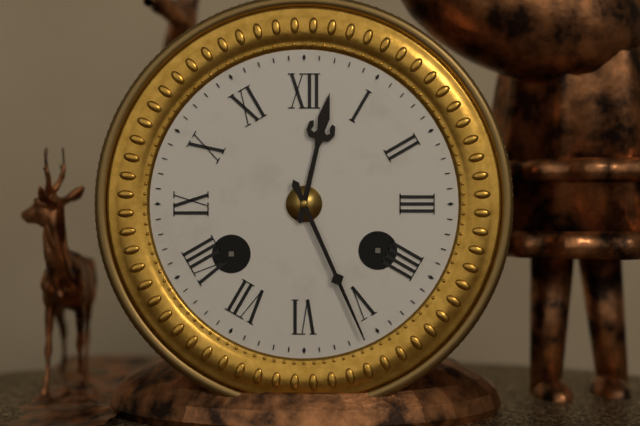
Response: 12:26
